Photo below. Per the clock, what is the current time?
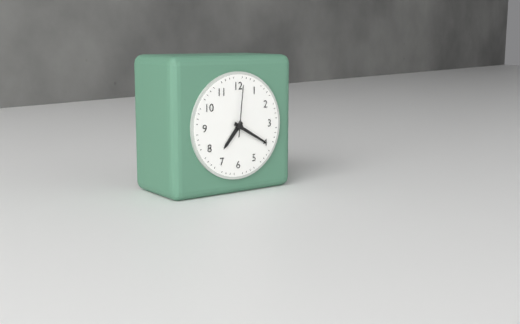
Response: 7:20:01
